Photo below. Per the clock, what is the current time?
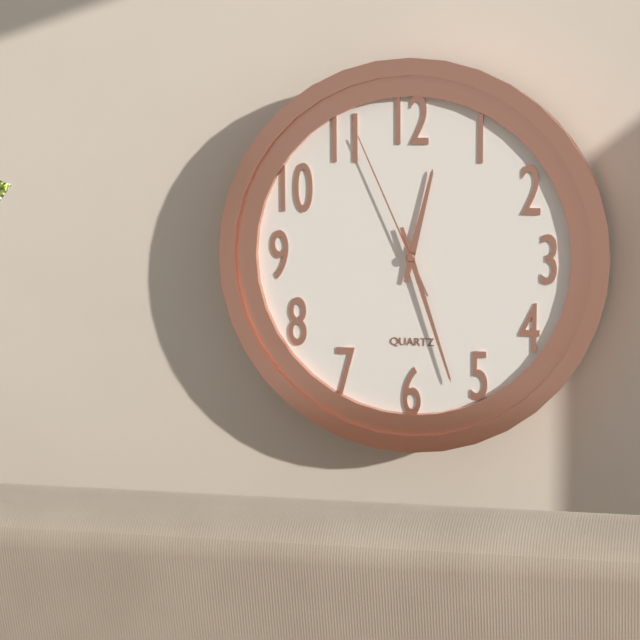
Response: 12:27:56
